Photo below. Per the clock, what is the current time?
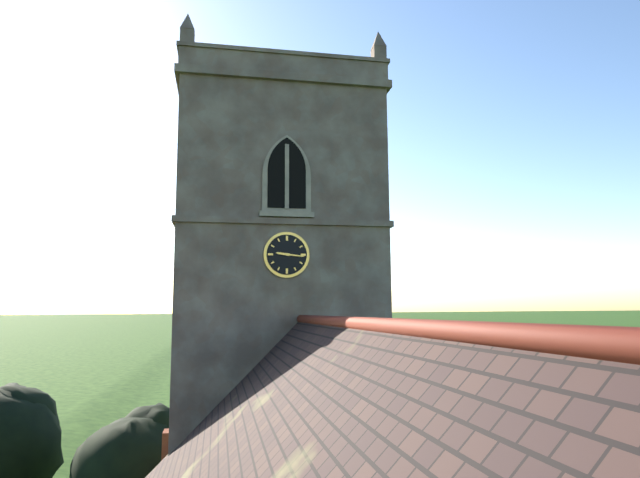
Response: 9:16
